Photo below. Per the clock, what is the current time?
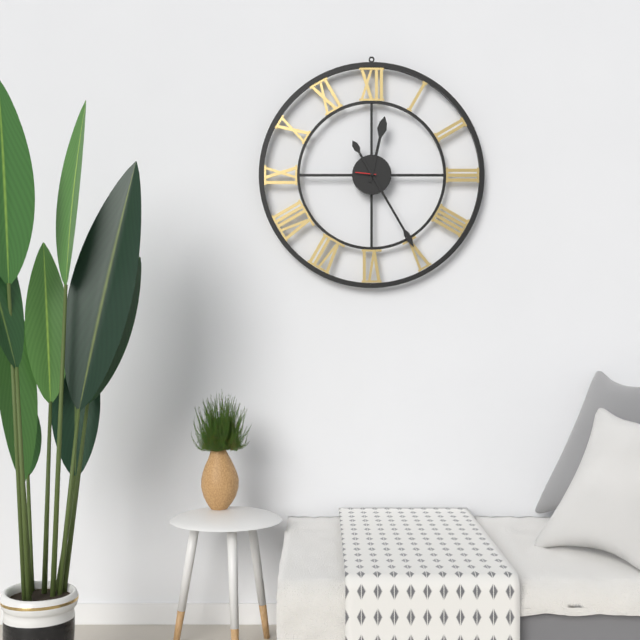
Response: 12:25
